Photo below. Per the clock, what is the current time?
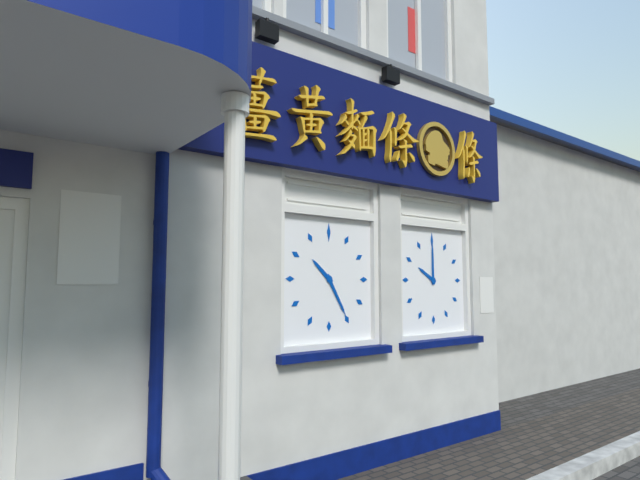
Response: 10:25
